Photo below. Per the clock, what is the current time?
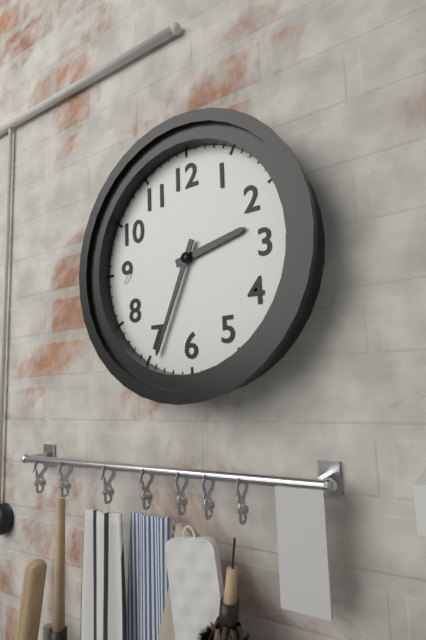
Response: 2:34
